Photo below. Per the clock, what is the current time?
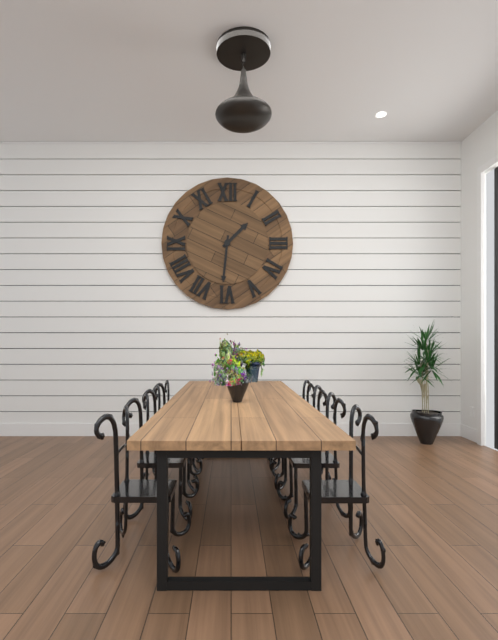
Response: 1:31
